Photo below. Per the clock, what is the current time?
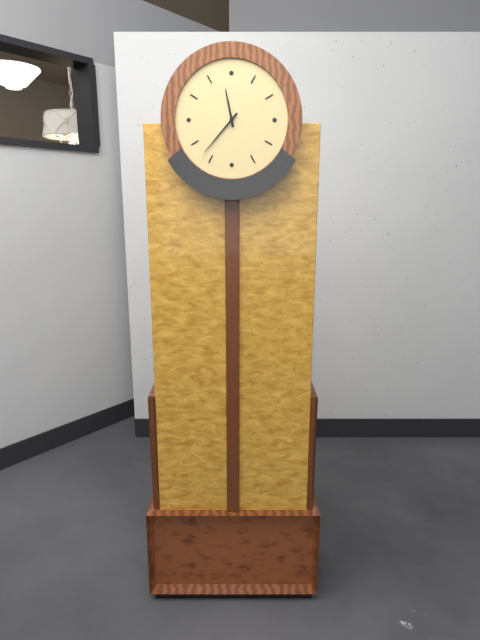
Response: 11:37
